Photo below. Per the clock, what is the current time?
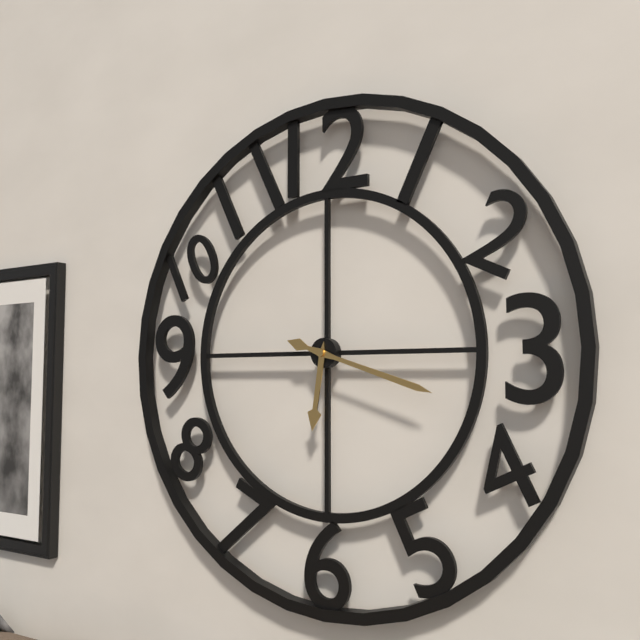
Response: 6:18
